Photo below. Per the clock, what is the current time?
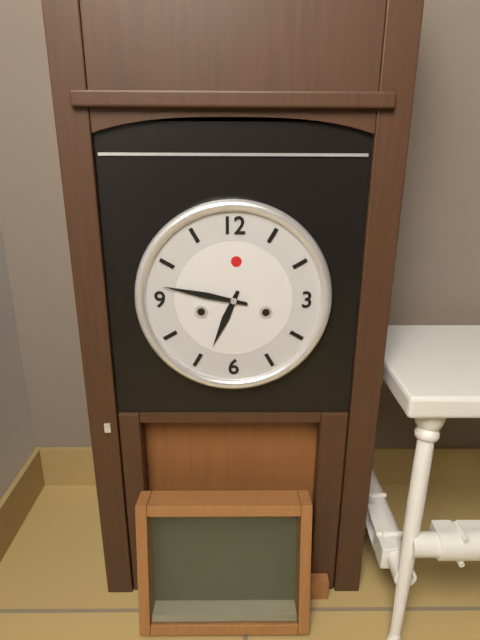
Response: 6:47
